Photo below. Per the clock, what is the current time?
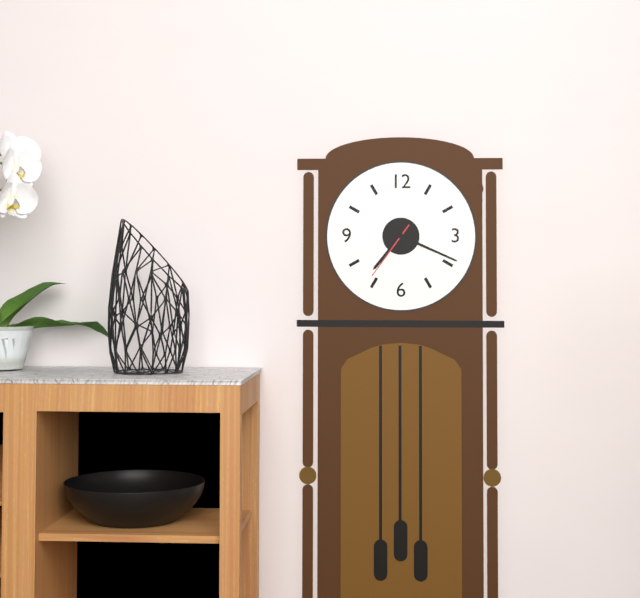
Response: 7:19:36
